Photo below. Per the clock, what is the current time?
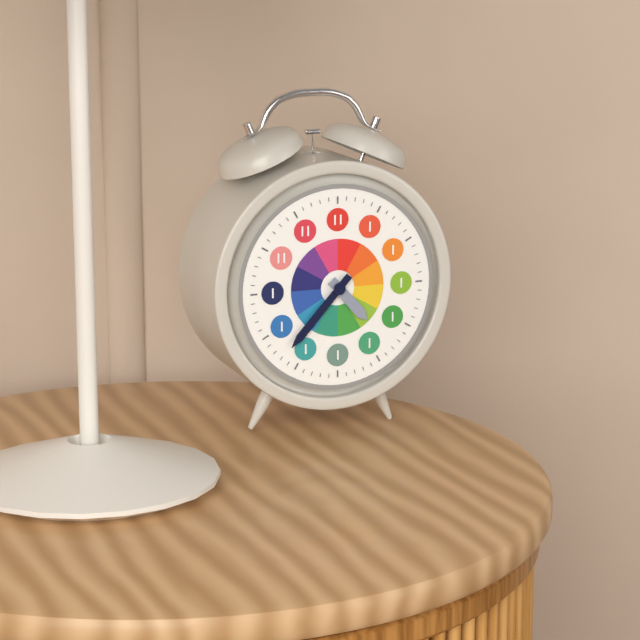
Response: 4:37
